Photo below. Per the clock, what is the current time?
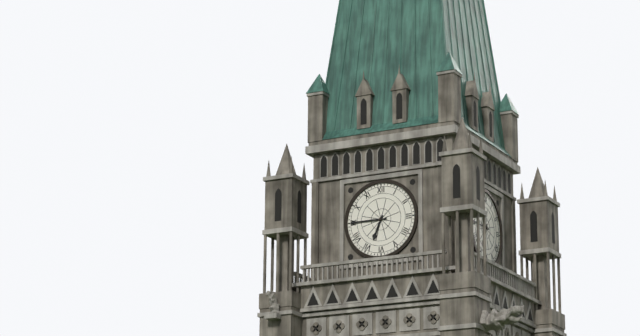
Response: 6:45
